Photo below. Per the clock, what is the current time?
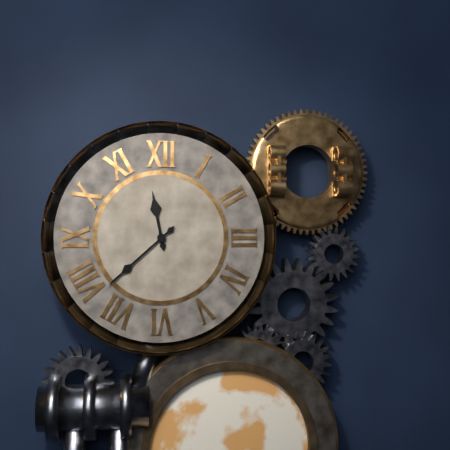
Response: 11:38
